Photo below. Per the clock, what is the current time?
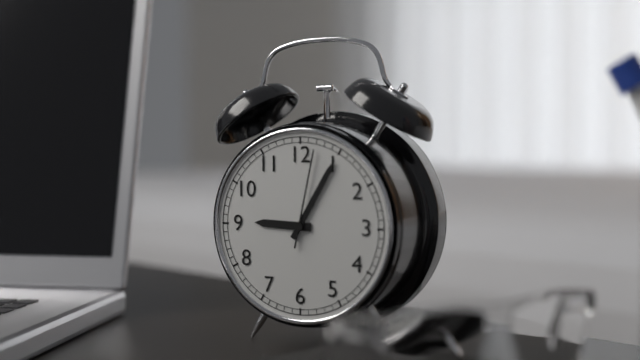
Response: 9:05:02
